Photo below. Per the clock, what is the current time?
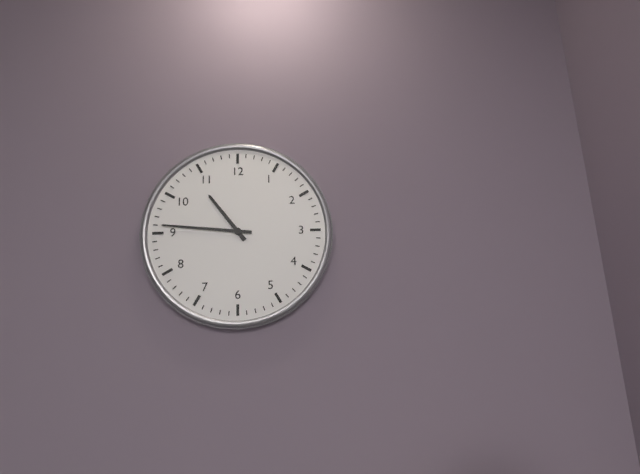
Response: 10:46
